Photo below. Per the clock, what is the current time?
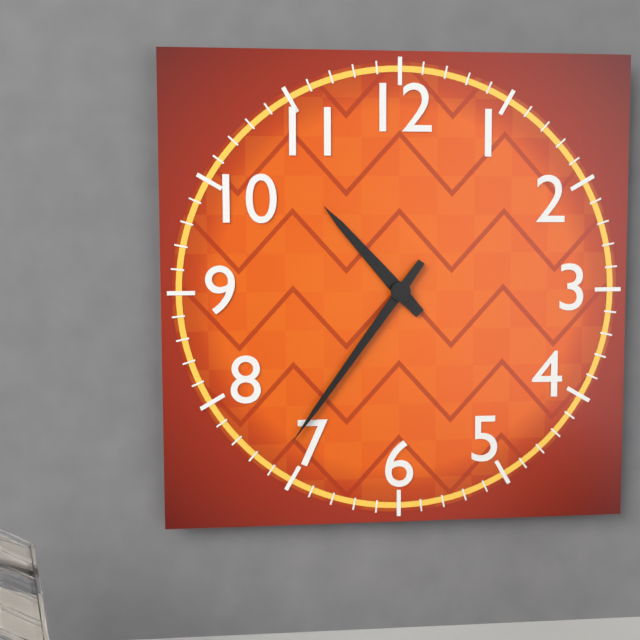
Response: 10:36
